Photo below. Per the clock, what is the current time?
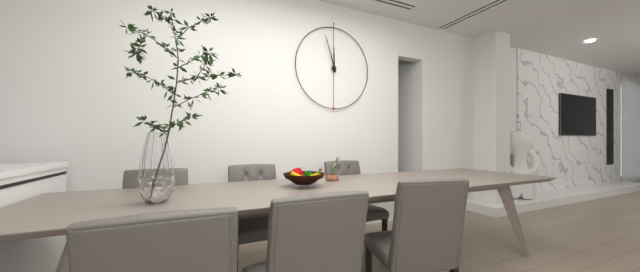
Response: 11:57
